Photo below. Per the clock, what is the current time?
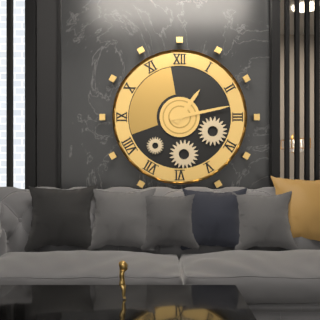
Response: 1:13
